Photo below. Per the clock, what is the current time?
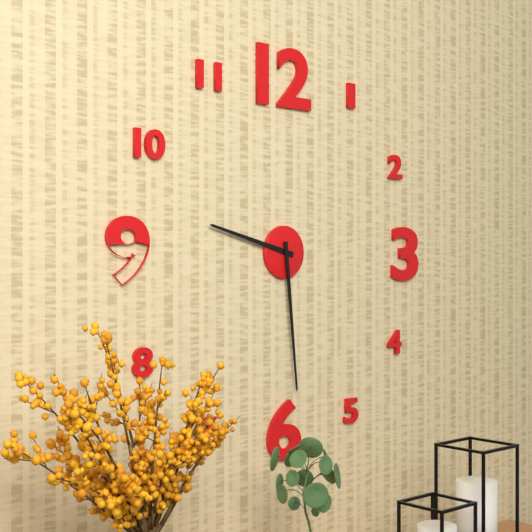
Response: 9:29
